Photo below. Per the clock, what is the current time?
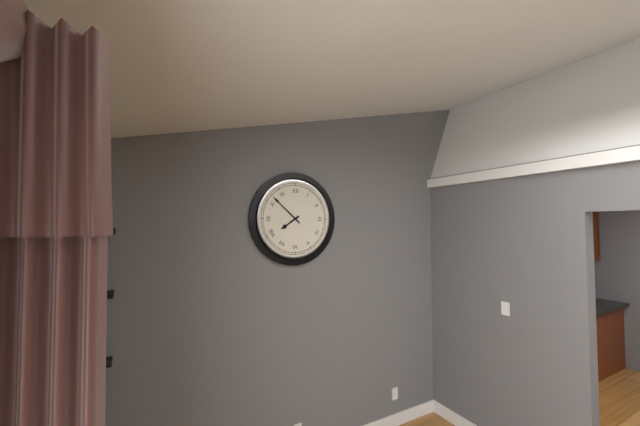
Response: 7:52
